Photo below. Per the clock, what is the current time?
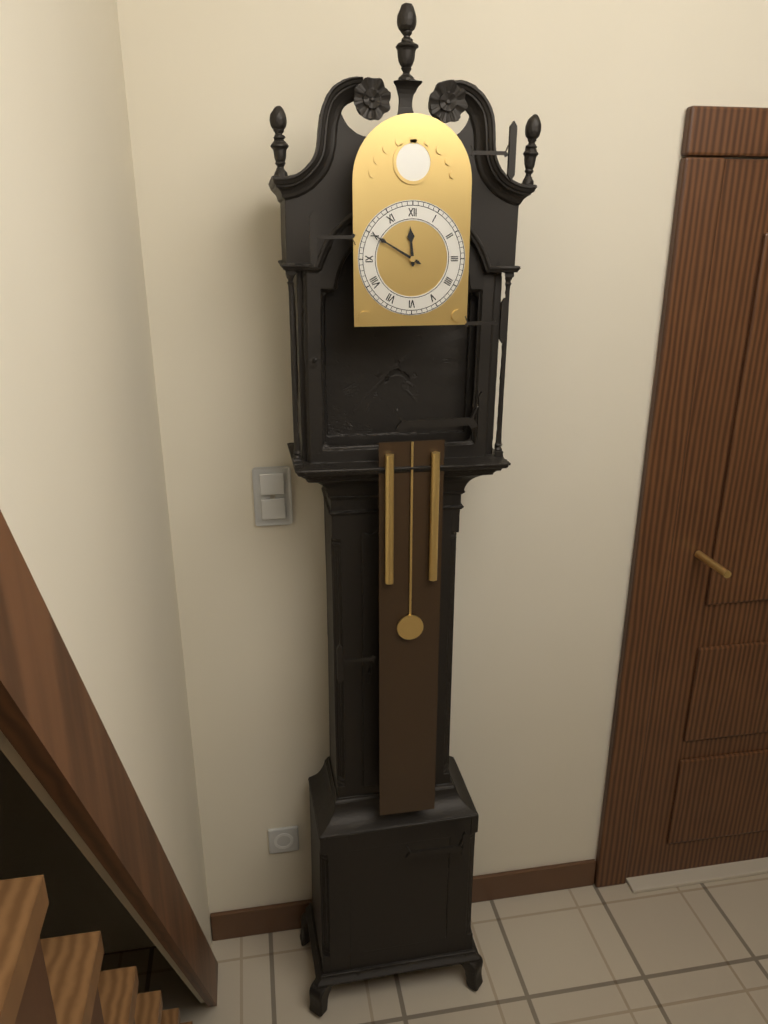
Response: 11:50
